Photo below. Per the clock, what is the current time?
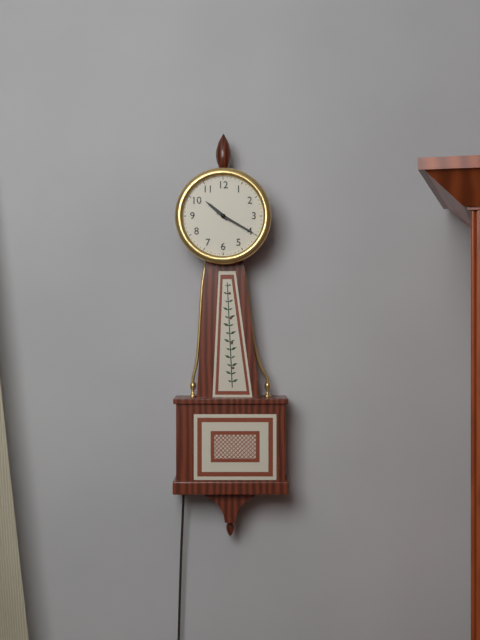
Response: 10:20
